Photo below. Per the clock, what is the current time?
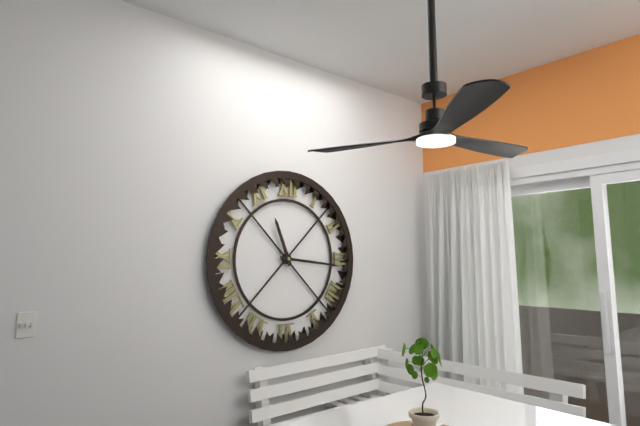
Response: 11:16
